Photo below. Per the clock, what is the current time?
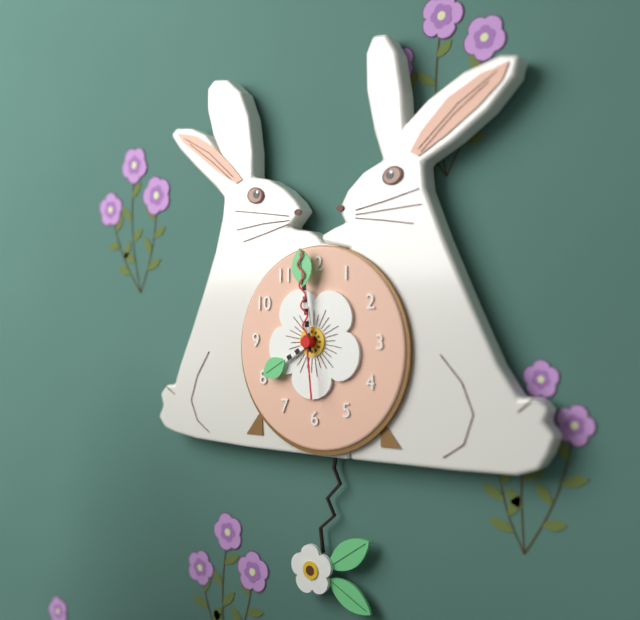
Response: 7:59:59
